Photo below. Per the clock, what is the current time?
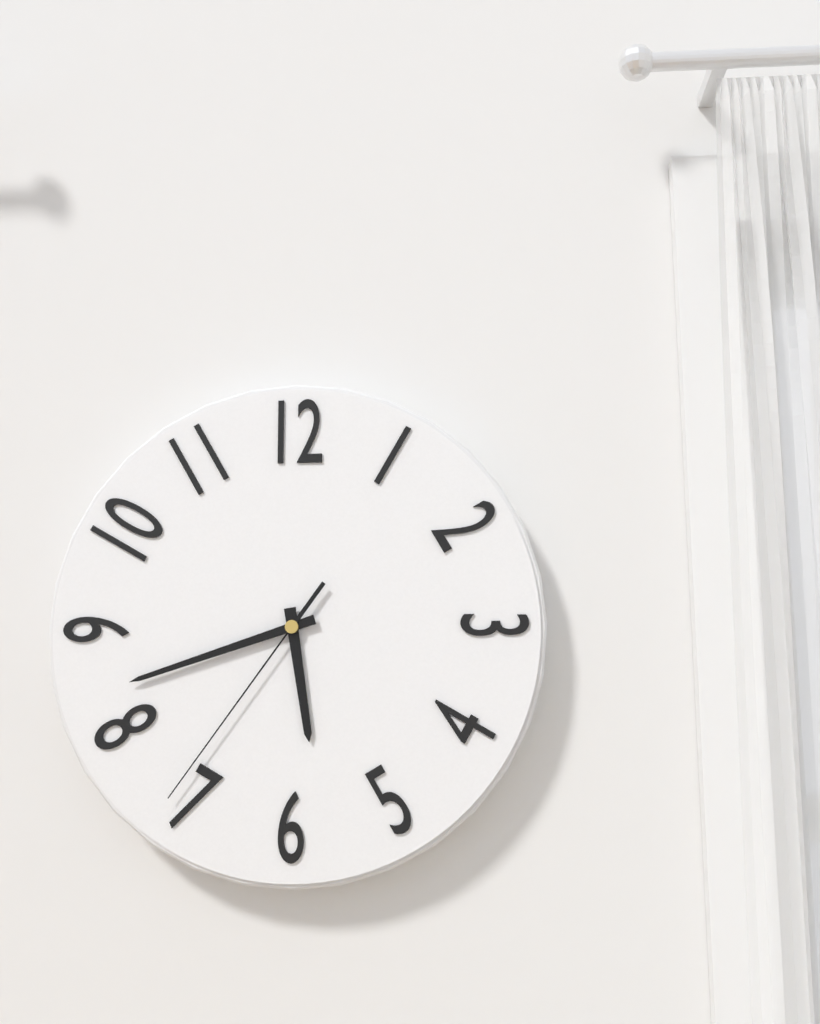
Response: 5:42:36
